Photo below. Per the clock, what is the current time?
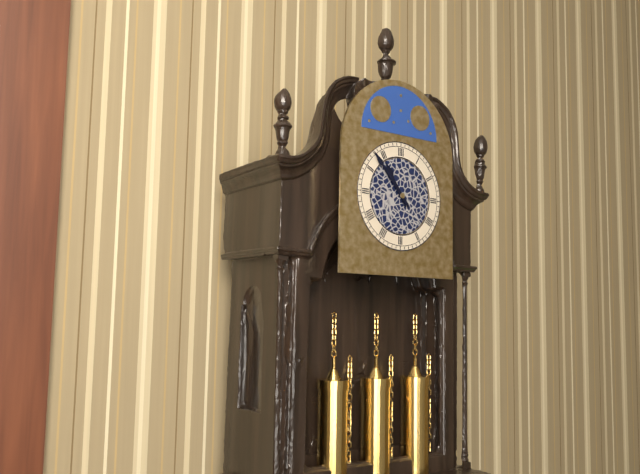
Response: 10:53
